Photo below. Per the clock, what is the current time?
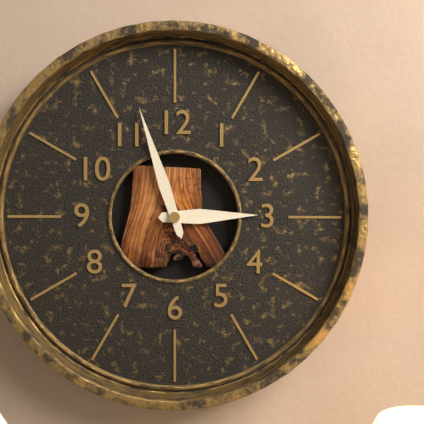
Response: 2:57
